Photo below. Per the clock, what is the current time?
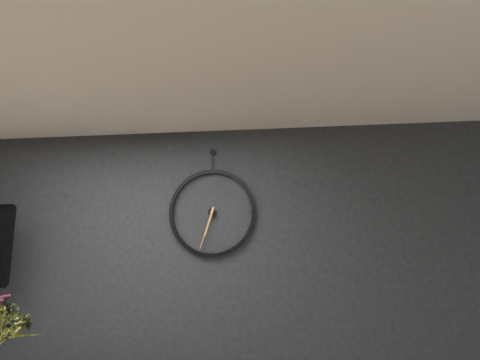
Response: 6:33
